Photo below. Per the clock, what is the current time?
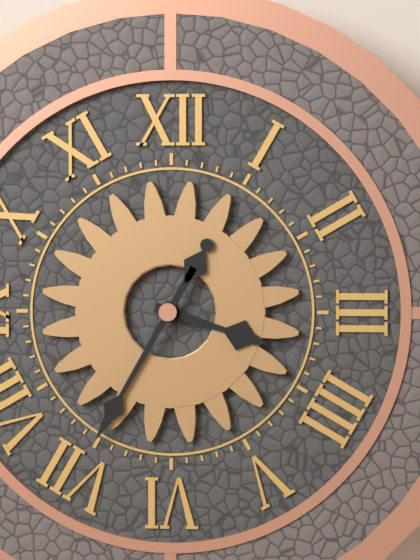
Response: 3:35
